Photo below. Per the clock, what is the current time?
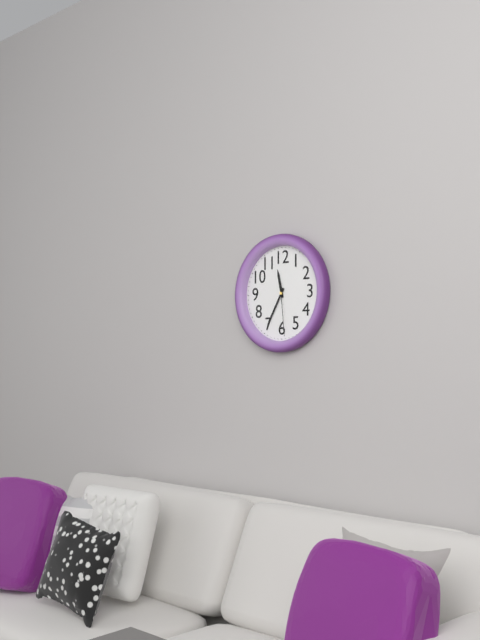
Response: 11:35:29
